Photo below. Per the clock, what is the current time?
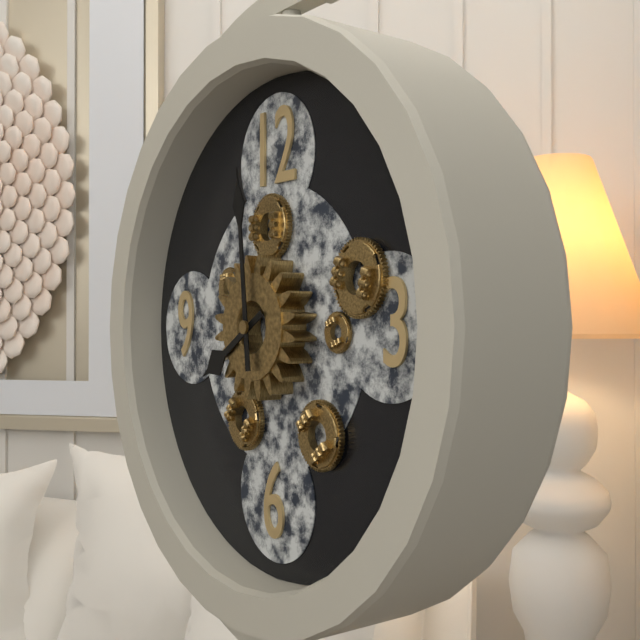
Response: 7:59
